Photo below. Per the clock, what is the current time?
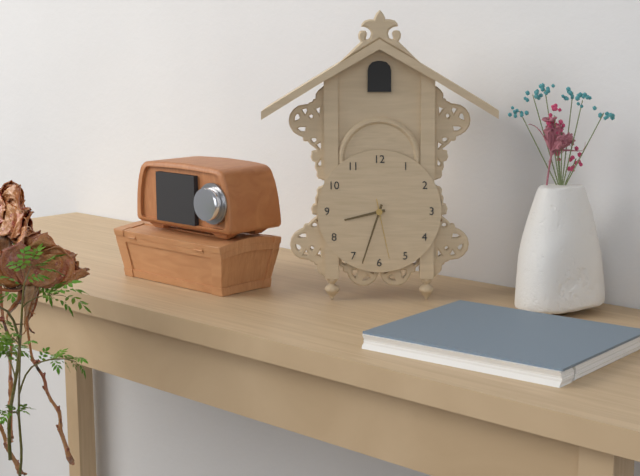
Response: 8:33:28
